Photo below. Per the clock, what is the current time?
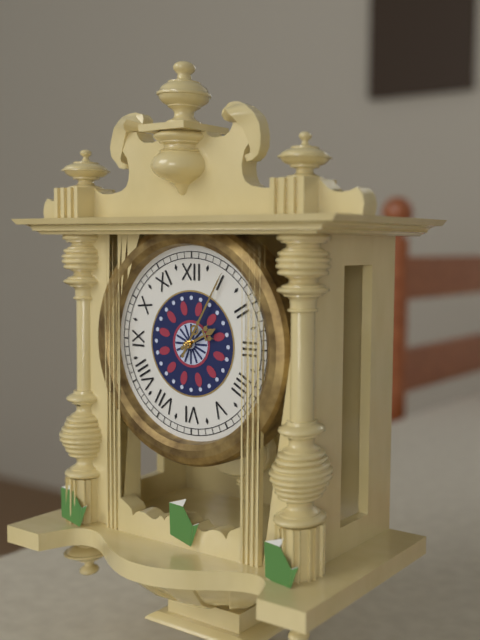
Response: 2:05
